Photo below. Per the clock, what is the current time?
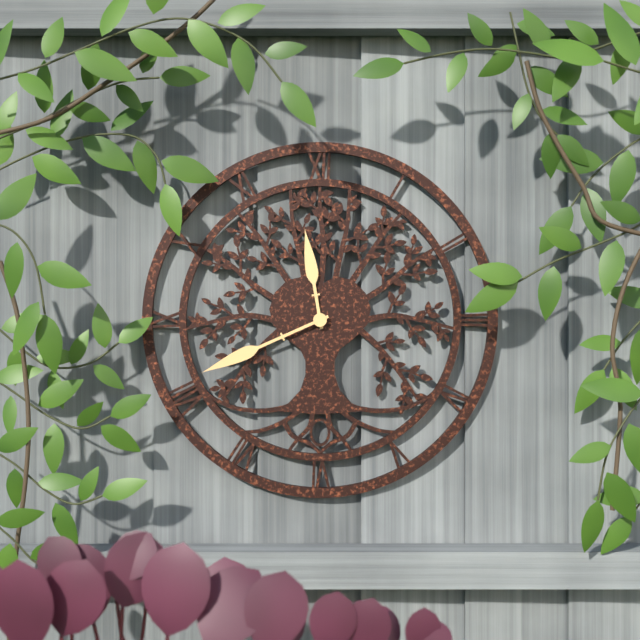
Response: 11:41
